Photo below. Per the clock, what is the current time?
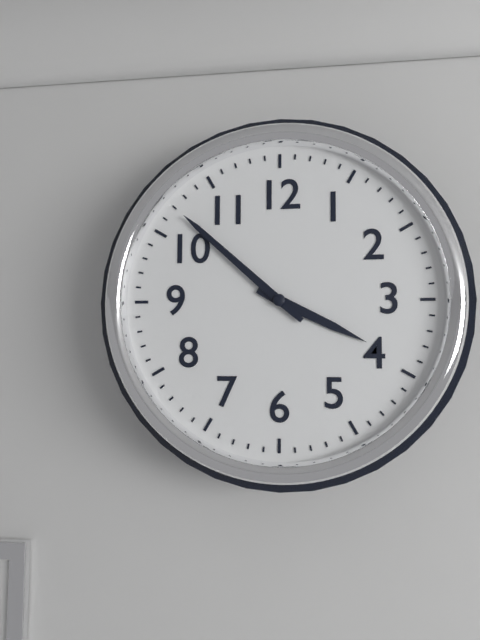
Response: 3:52
